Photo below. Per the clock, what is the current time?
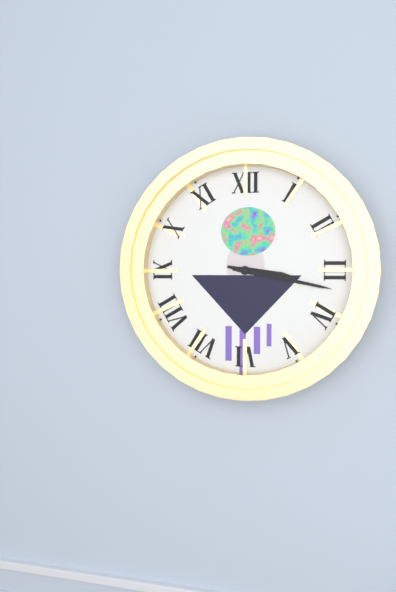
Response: 3:17
